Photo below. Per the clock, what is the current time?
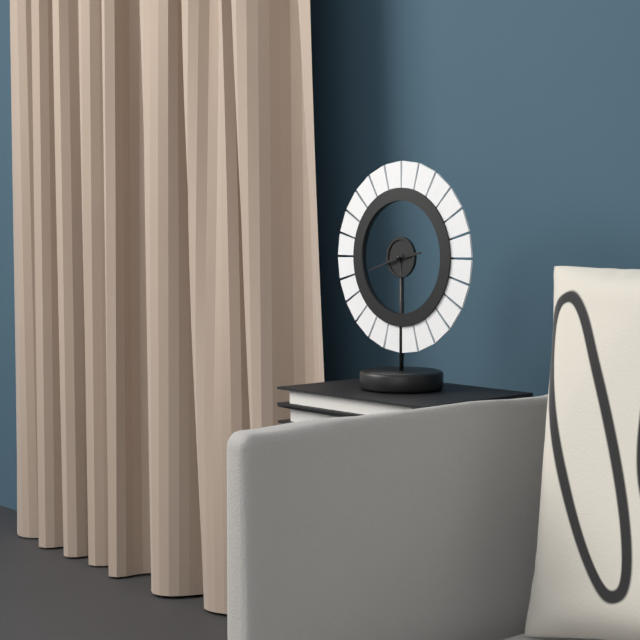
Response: 2:42
